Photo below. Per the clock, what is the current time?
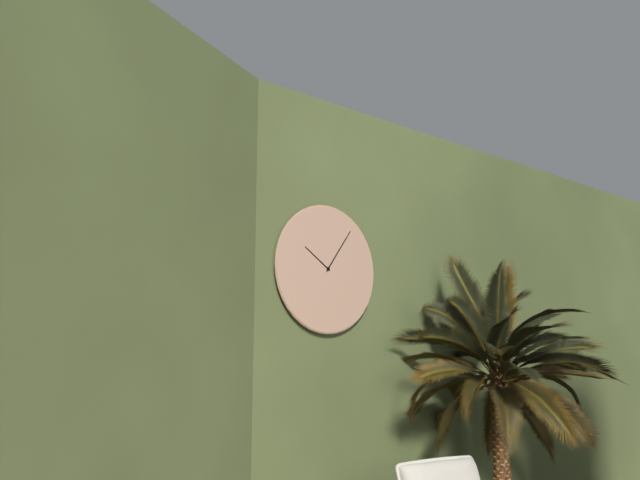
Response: 10:06
